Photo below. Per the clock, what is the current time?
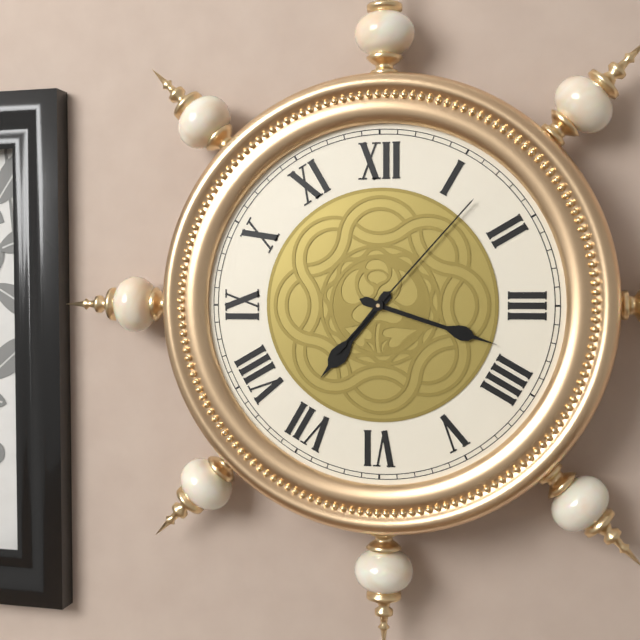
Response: 7:18:07
